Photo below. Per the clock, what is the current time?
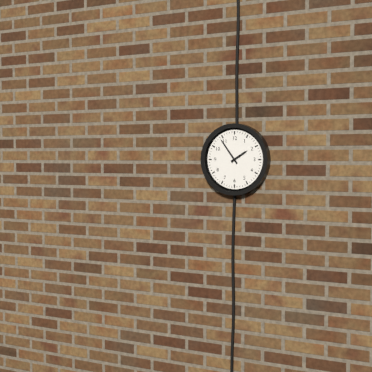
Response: 1:54
